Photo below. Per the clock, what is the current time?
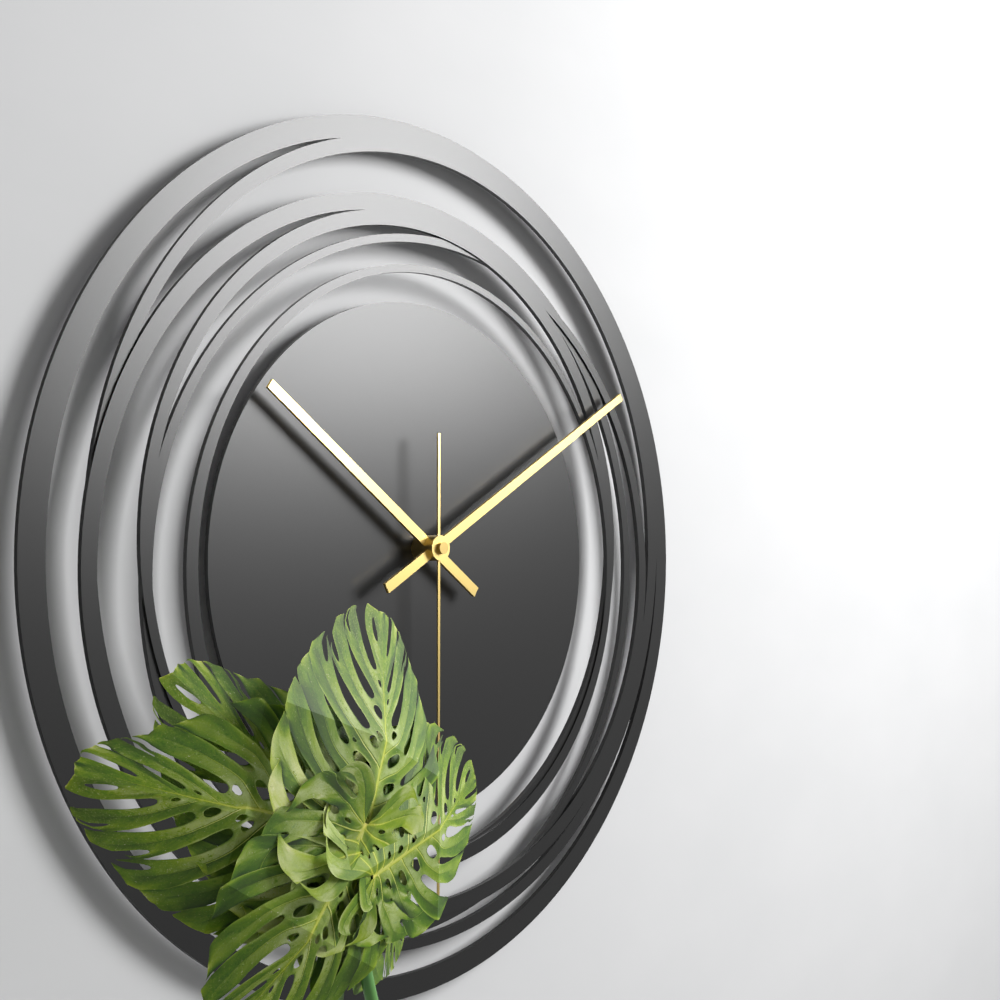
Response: 10:10
